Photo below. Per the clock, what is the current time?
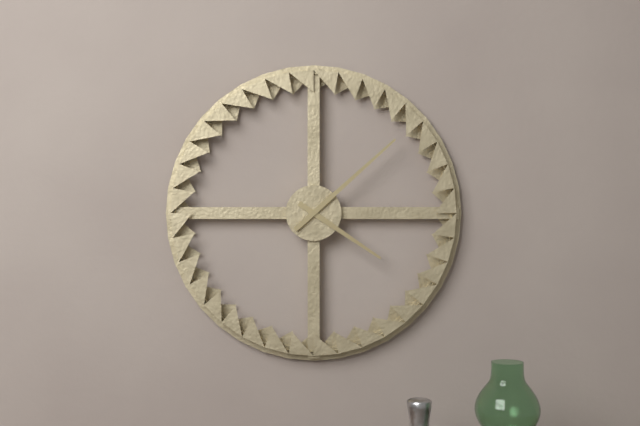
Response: 4:08
